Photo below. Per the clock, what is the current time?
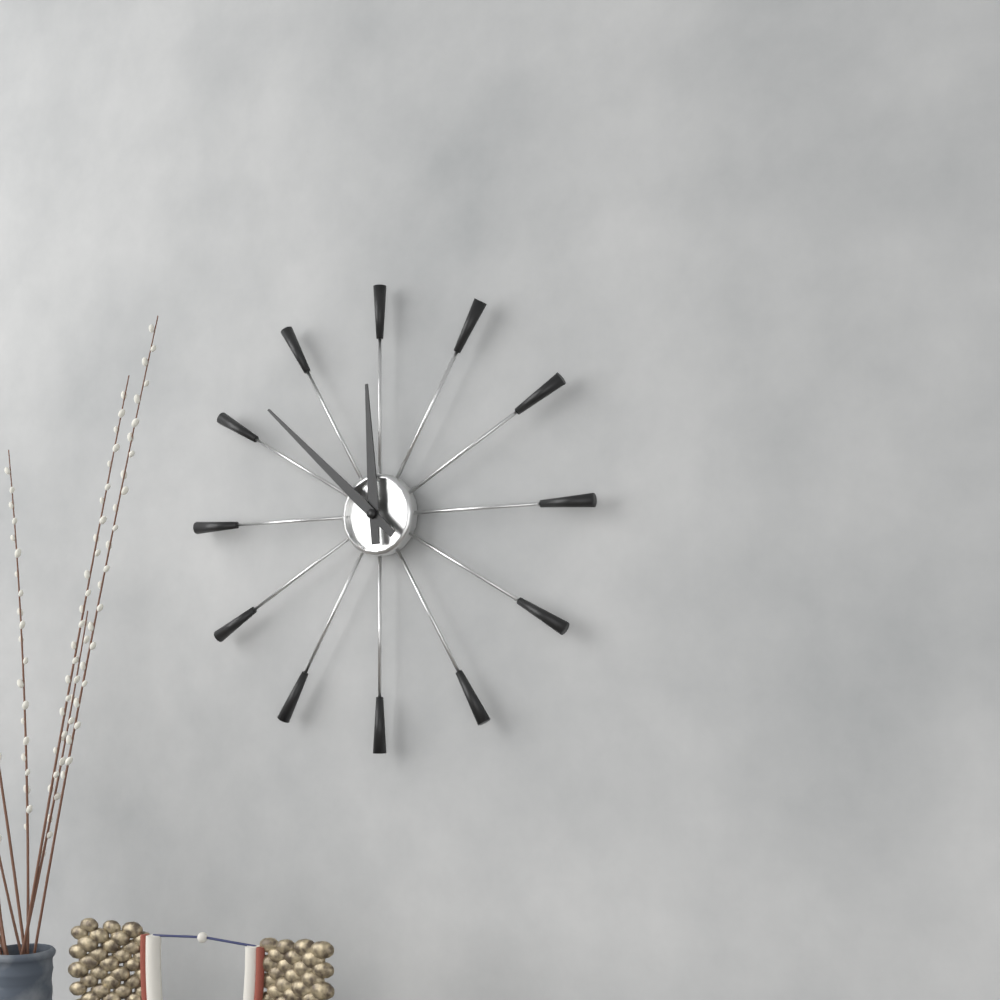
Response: 11:52
